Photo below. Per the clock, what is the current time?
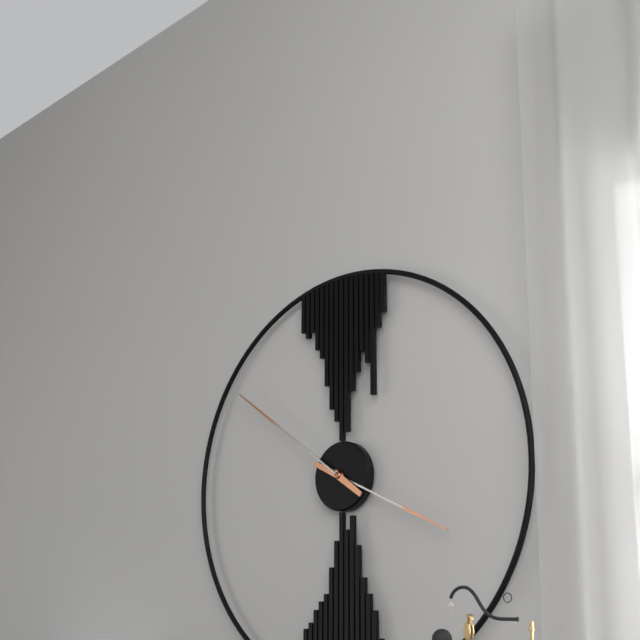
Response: 3:51
